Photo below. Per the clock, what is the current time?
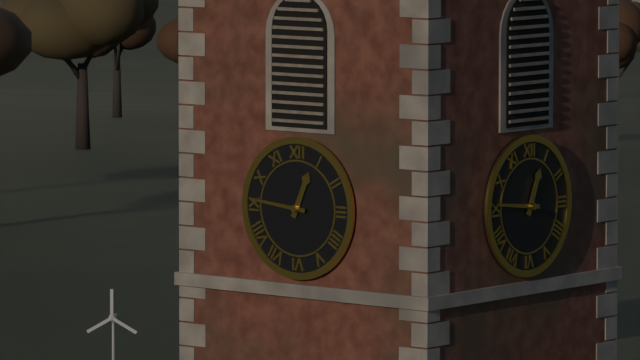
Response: 12:46
